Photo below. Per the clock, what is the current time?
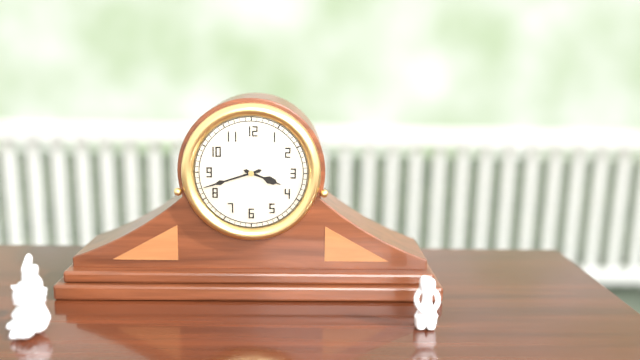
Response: 3:42
